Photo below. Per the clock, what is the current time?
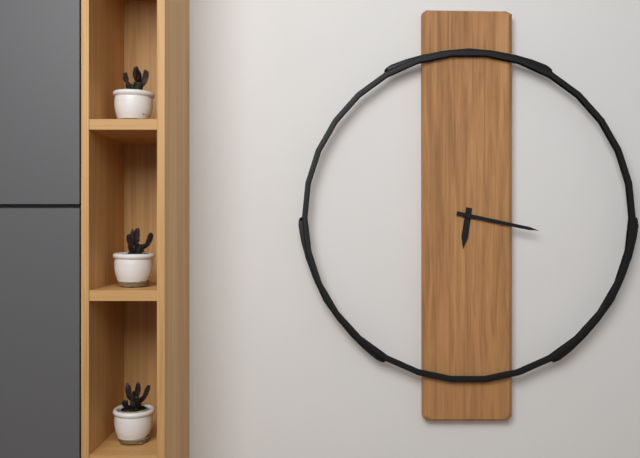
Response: 6:17
